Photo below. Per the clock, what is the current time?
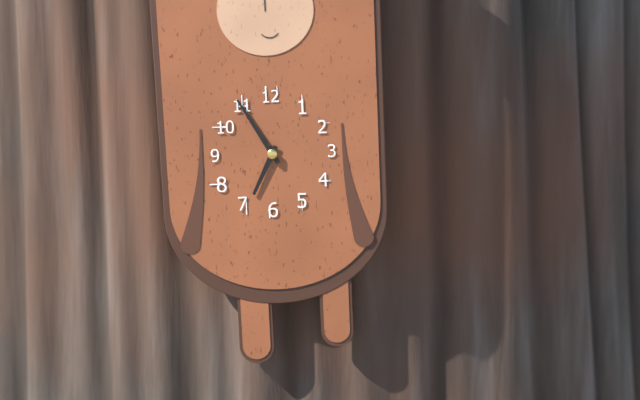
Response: 6:55
